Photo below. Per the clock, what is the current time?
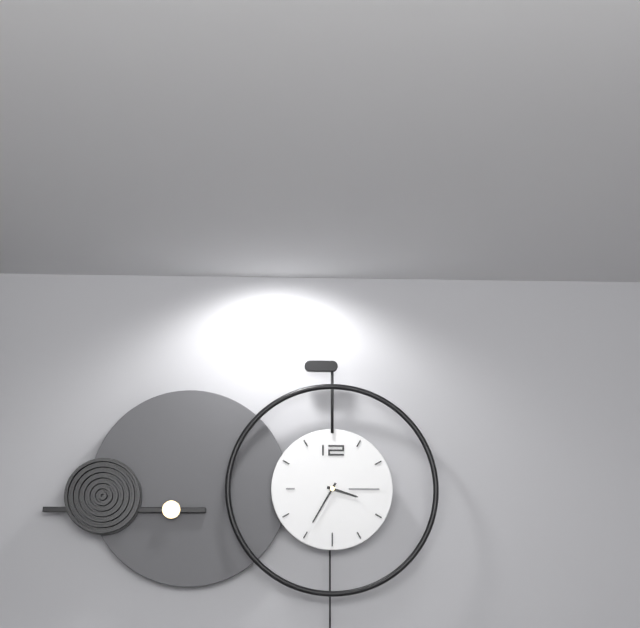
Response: 3:35
